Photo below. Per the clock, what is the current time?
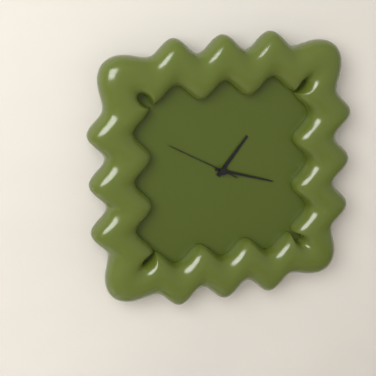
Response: 1:18:50
